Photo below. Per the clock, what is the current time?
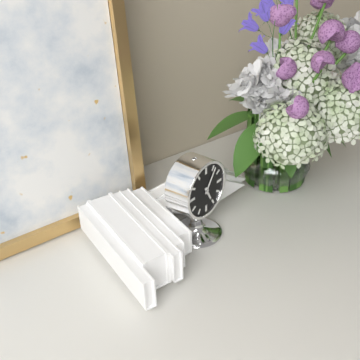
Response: 5:06
